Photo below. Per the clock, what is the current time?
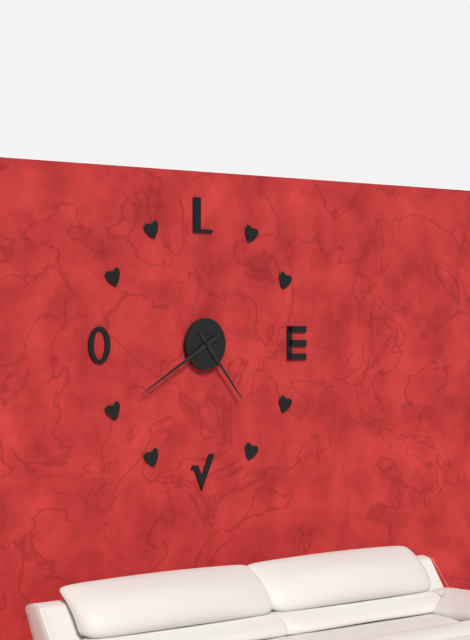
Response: 4:40
